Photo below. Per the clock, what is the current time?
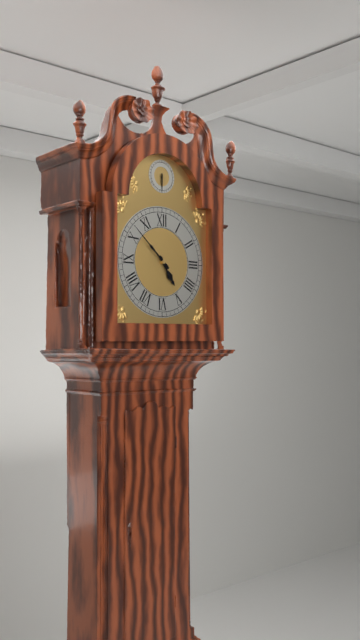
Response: 4:52
